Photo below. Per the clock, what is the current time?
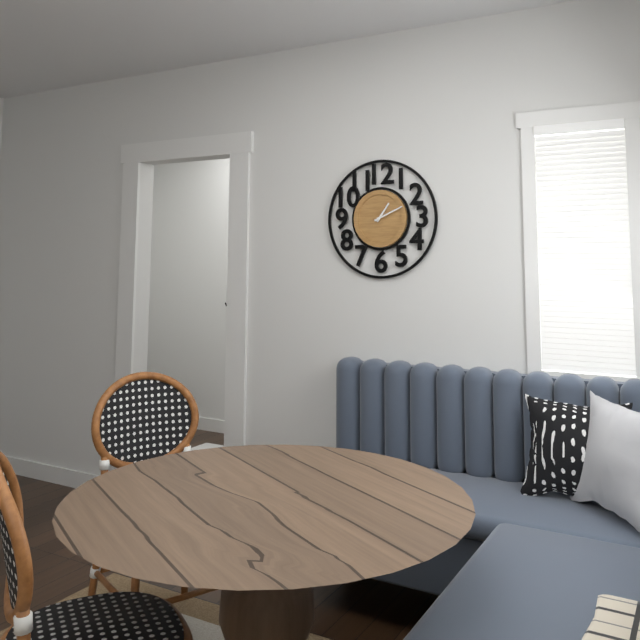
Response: 1:11
